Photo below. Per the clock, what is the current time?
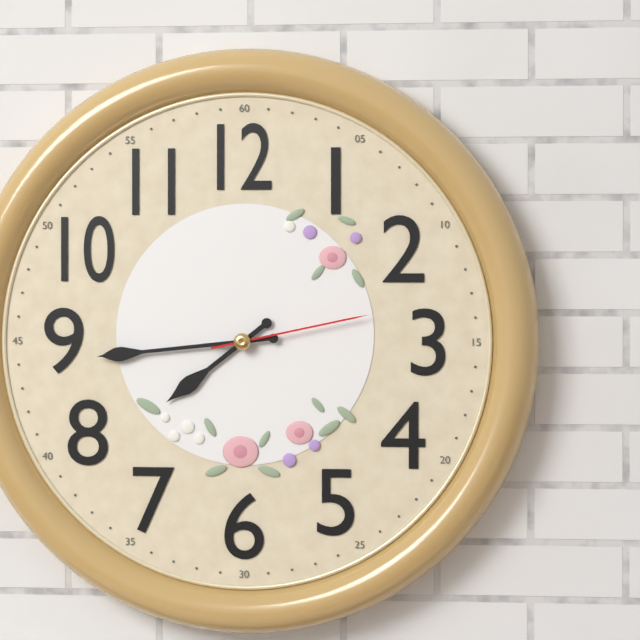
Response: 7:44:13
